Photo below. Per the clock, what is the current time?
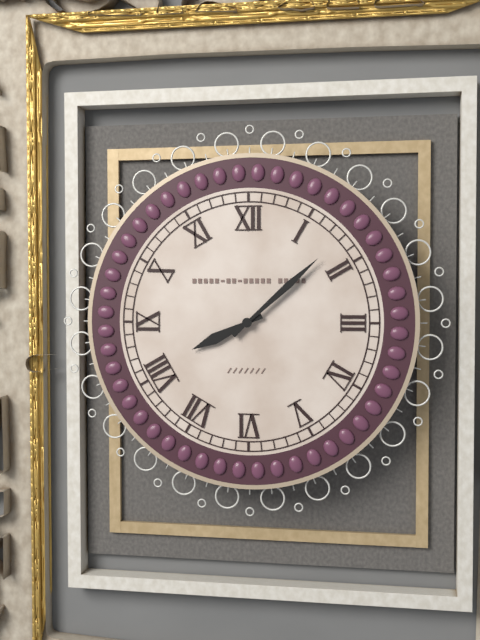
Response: 8:08
